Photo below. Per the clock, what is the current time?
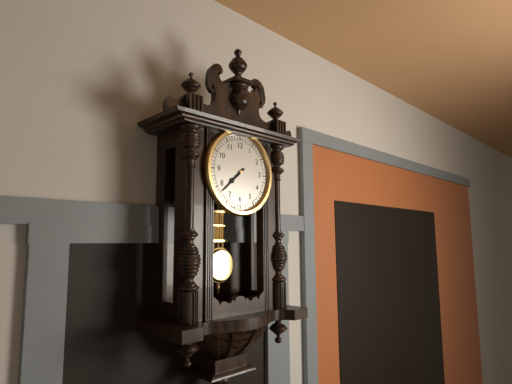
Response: 7:38
